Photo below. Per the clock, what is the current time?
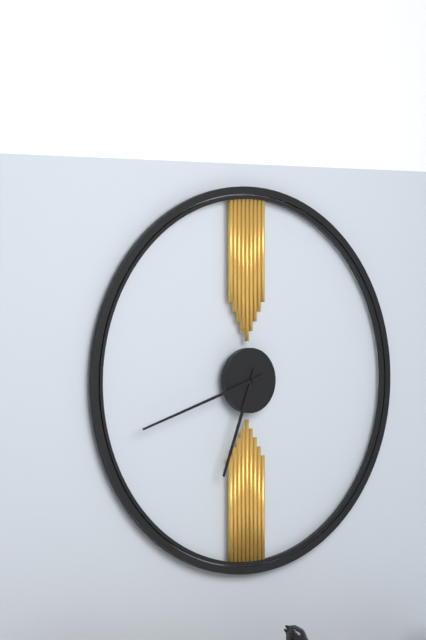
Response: 6:42
